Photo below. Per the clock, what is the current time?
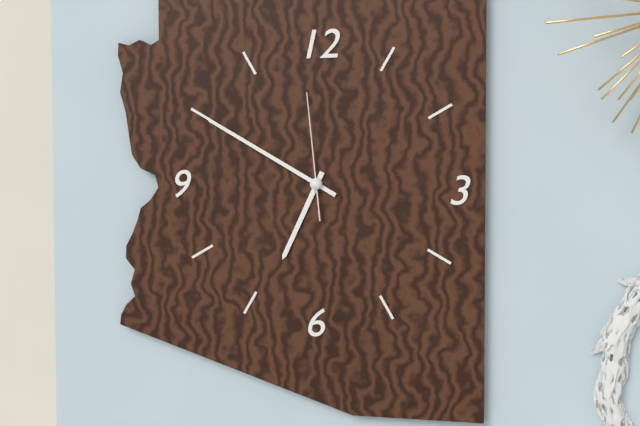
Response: 6:50:59
